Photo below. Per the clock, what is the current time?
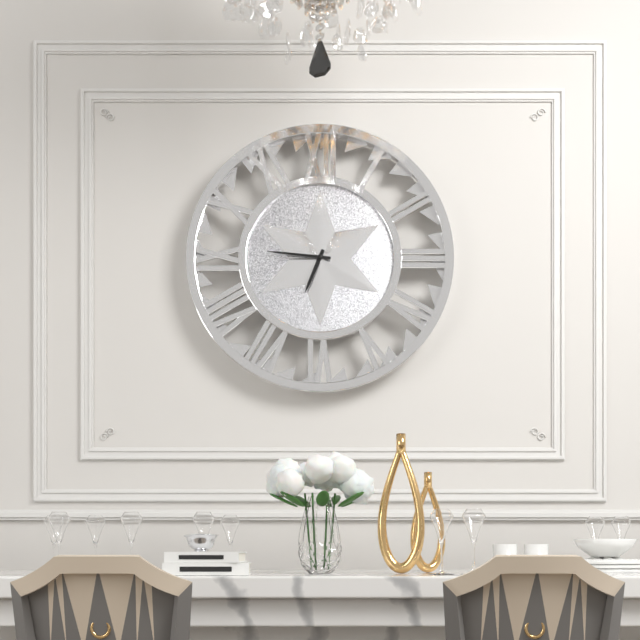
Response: 6:46
